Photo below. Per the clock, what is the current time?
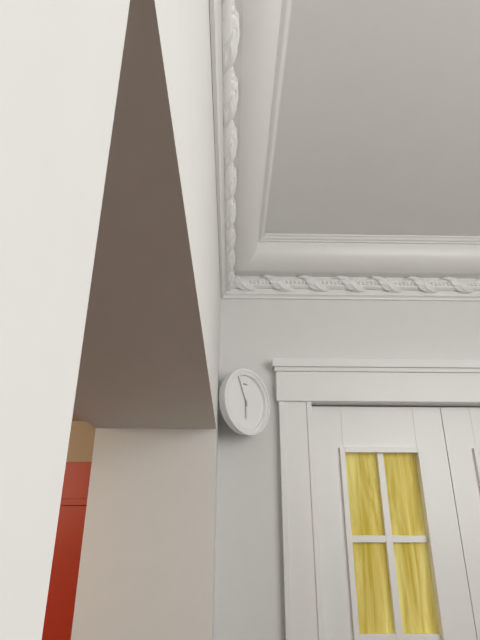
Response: 5:56
